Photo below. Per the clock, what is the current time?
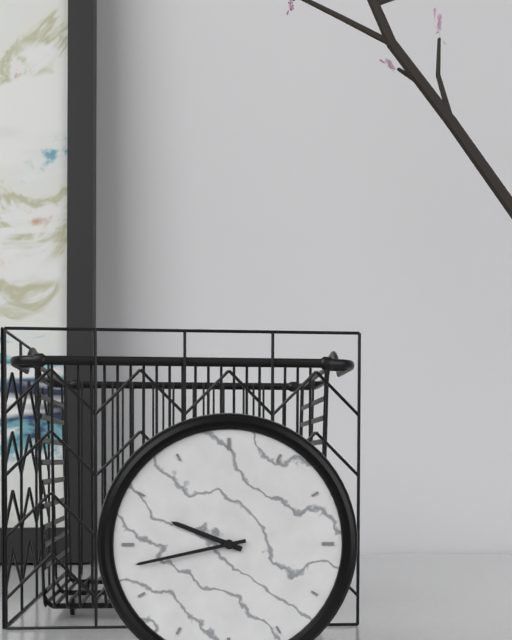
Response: 9:43
